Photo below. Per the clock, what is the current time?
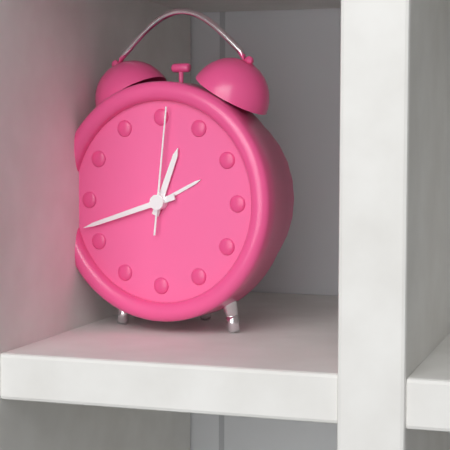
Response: 12:42:01
